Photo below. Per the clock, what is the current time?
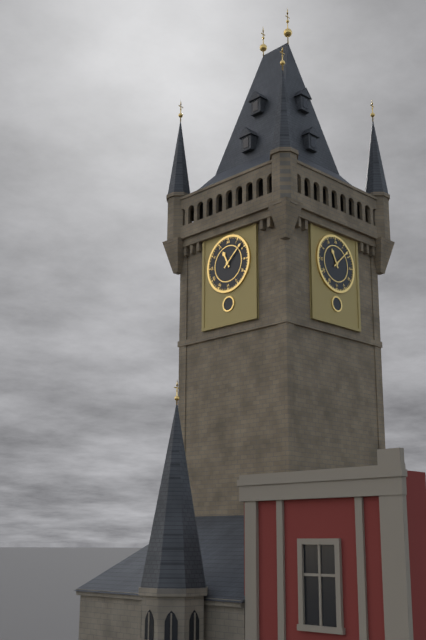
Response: 11:08
